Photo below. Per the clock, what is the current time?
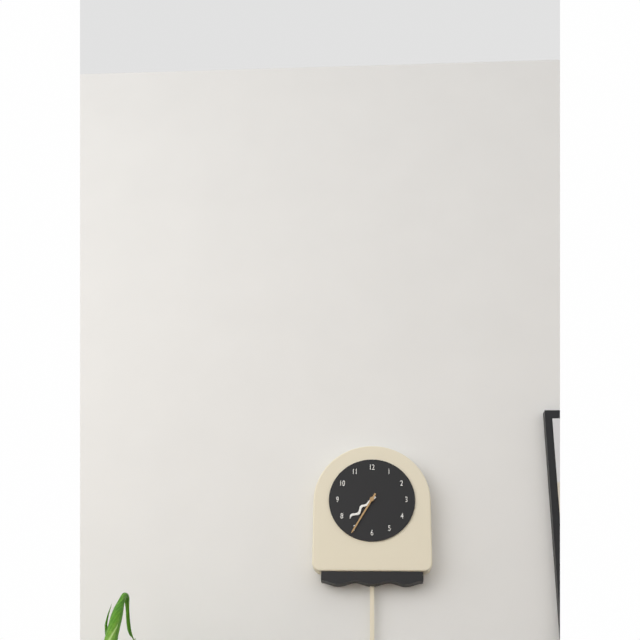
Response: 7:35
